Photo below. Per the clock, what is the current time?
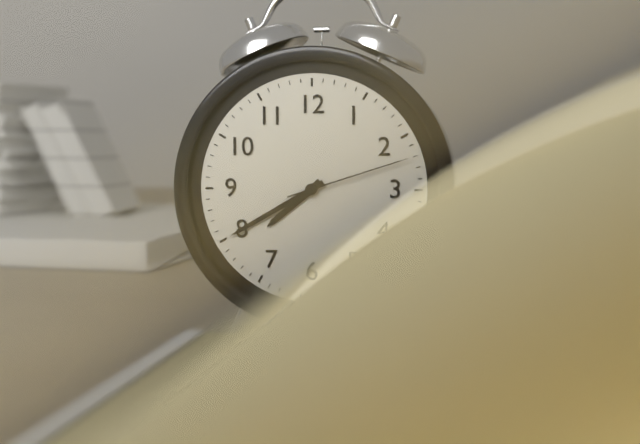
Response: 7:40:12
